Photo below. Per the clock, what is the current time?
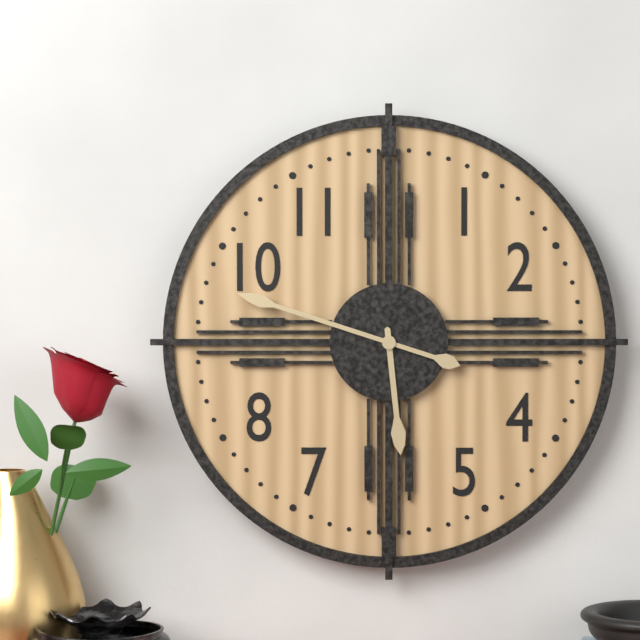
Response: 5:48
